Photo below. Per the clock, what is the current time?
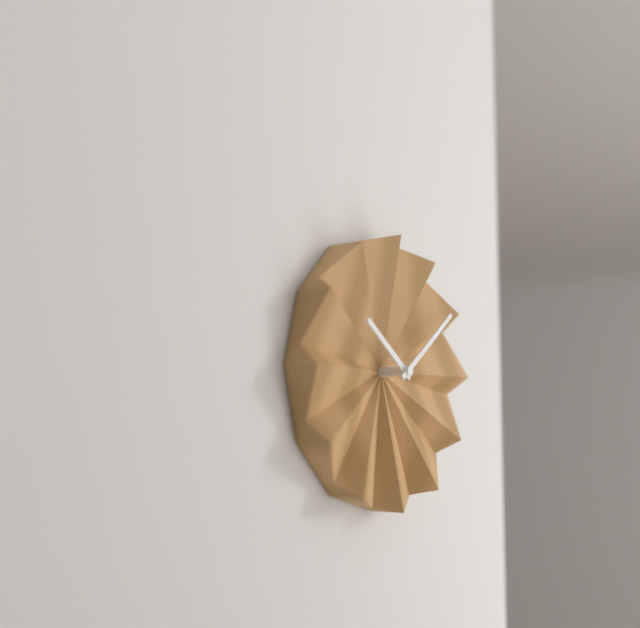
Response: 10:09
